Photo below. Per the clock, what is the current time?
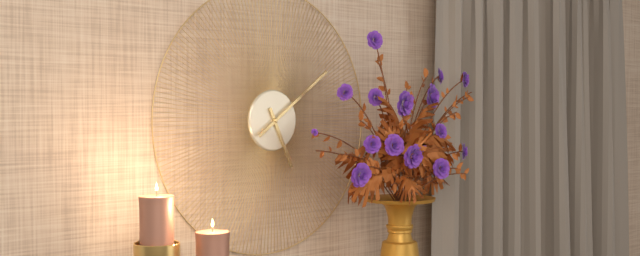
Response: 5:09
